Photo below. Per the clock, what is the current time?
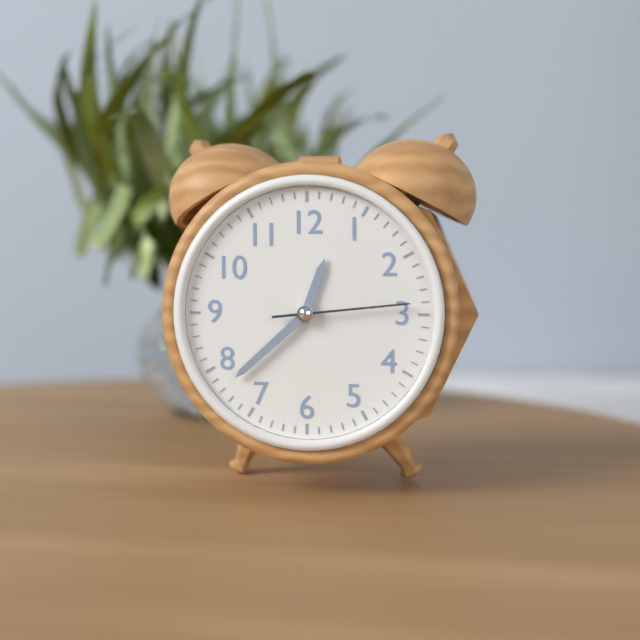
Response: 12:38:14
